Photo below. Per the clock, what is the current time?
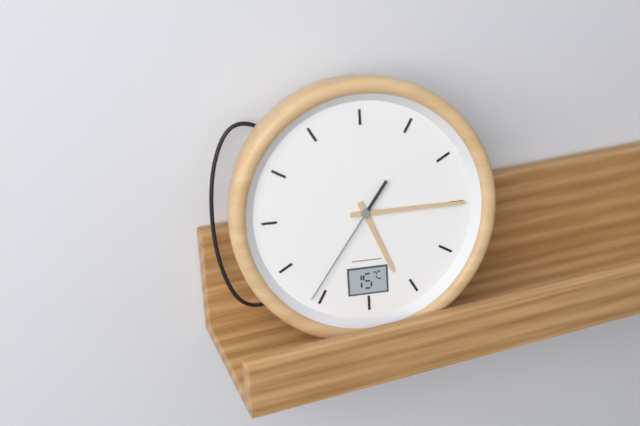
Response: 5:15:36
